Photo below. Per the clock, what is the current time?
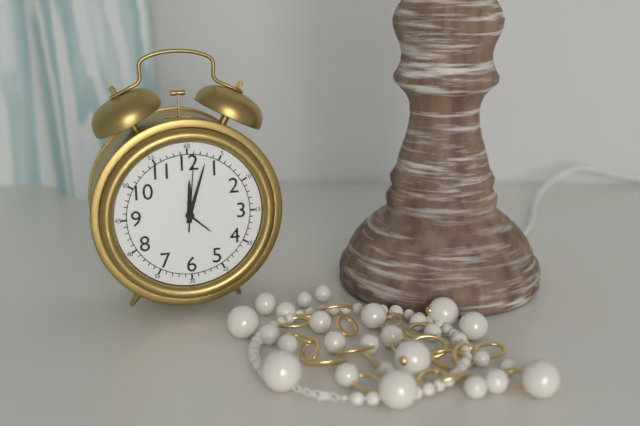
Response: 12:03:01
